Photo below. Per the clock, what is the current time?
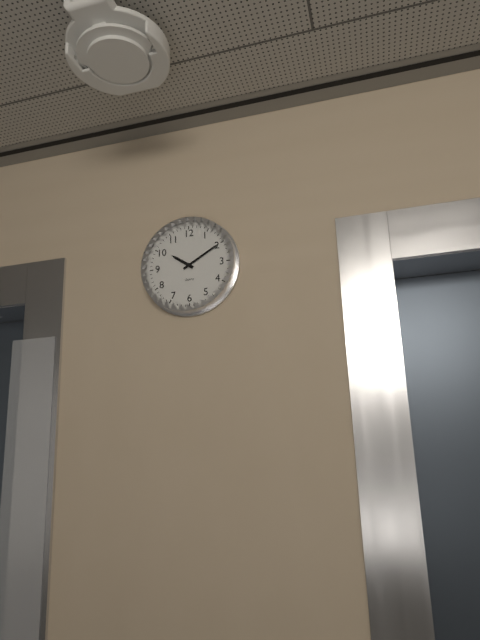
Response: 10:10
